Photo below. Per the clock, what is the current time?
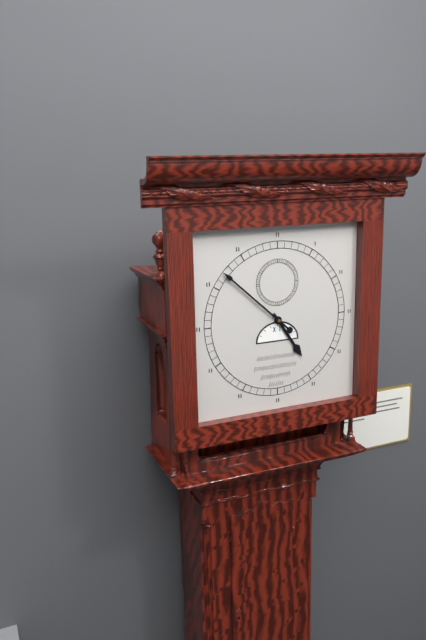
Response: 4:52
